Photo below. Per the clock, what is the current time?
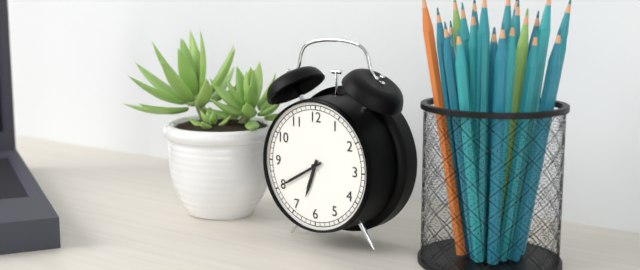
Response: 6:40
